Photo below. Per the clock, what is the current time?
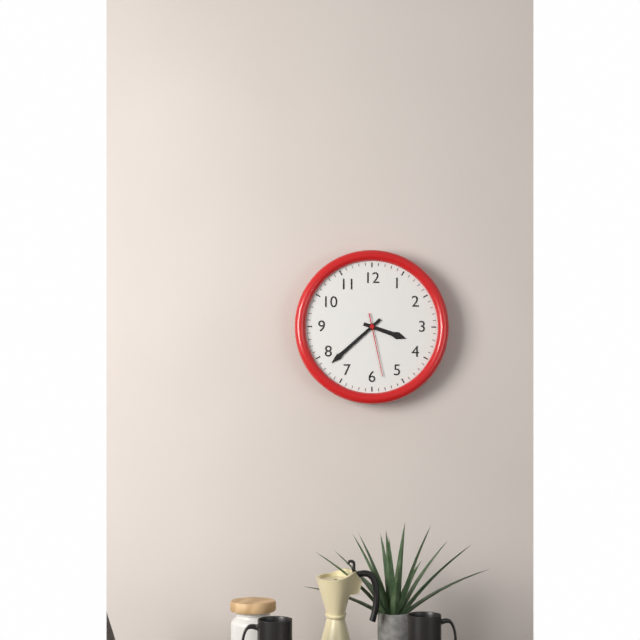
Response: 3:38:28
